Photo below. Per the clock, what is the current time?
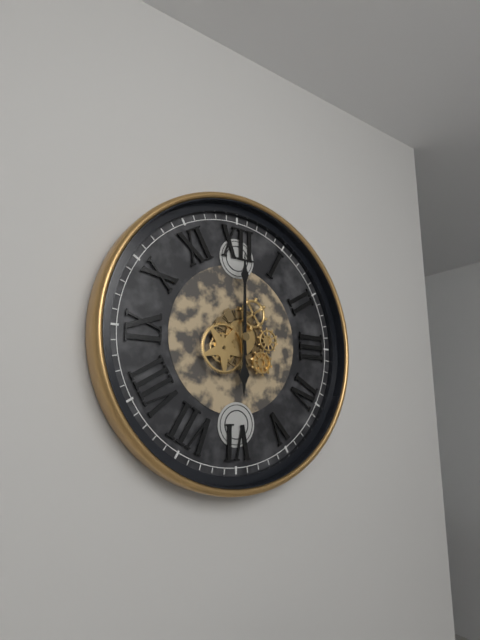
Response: 6:00
